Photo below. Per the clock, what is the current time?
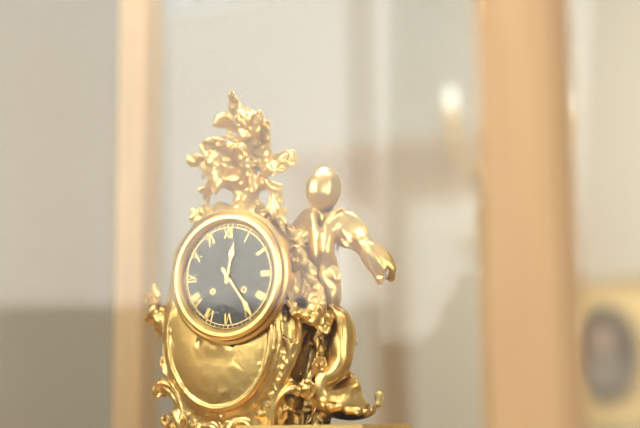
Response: 12:24
